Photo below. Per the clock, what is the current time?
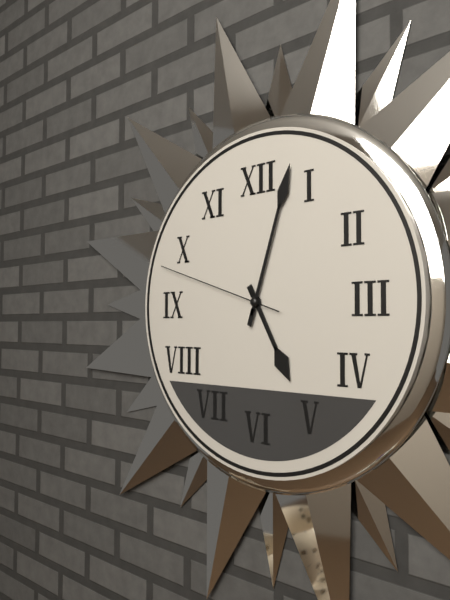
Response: 5:03:48
